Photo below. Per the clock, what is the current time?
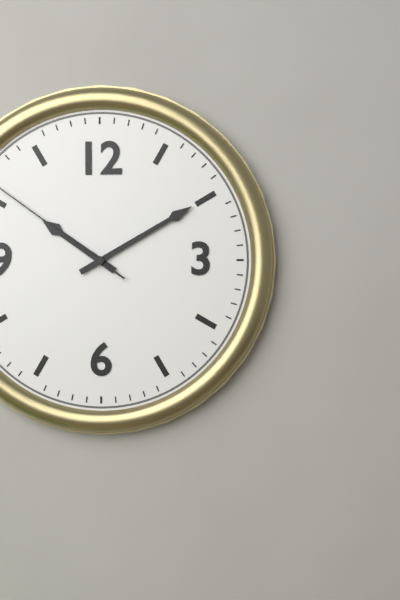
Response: 10:10
